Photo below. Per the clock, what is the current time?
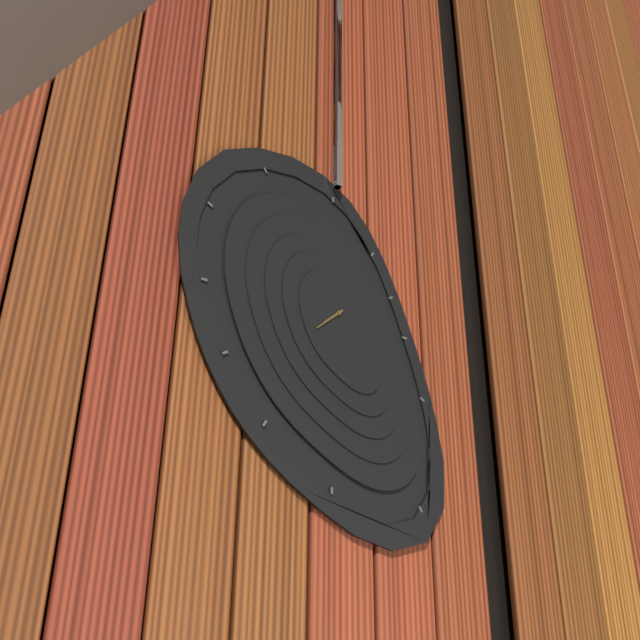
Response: 7:38
